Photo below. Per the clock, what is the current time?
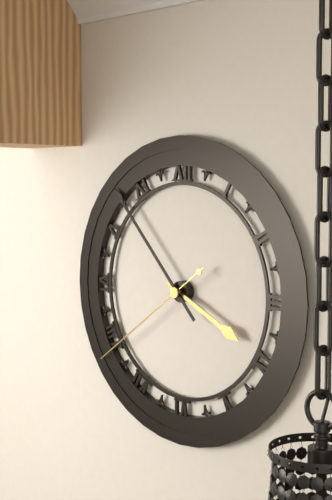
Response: 3:53:39
